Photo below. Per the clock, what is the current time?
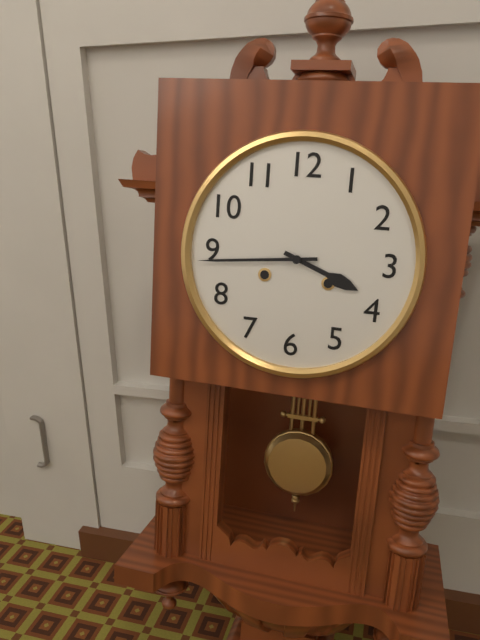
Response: 3:44
